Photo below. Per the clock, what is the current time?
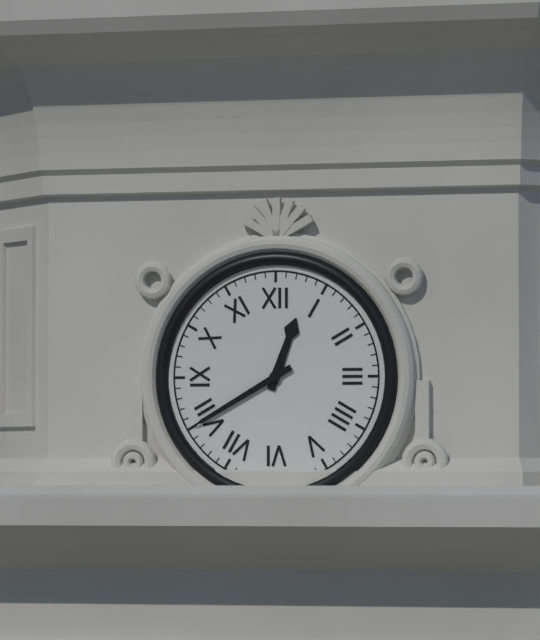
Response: 12:40
